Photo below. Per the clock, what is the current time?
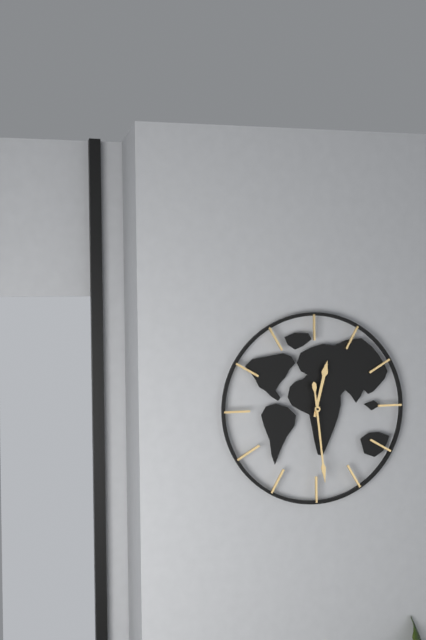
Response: 12:29
